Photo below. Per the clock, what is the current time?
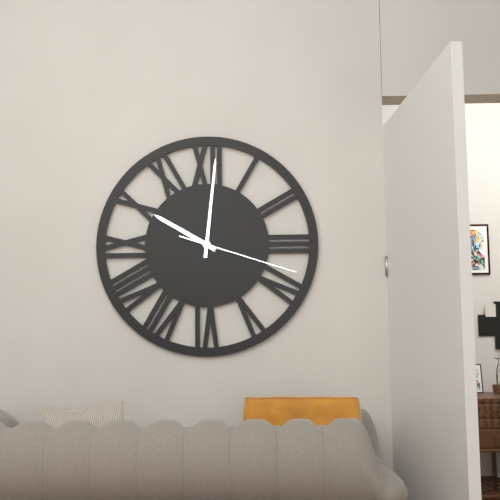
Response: 10:01:18
